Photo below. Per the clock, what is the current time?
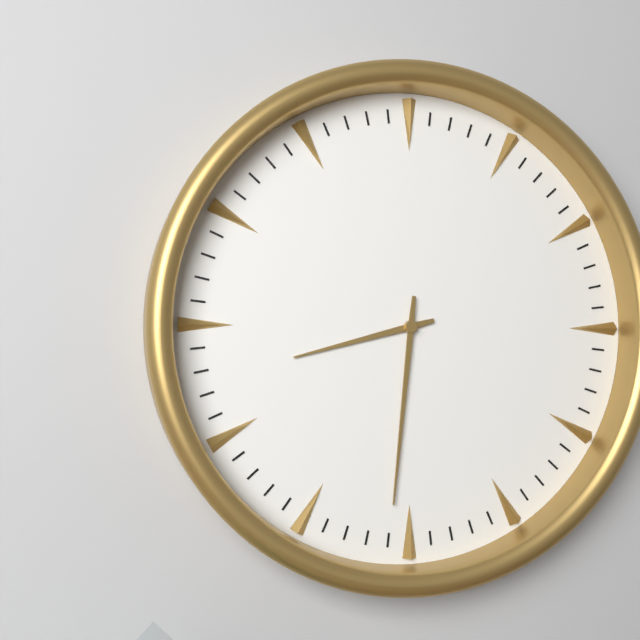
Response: 8:31
